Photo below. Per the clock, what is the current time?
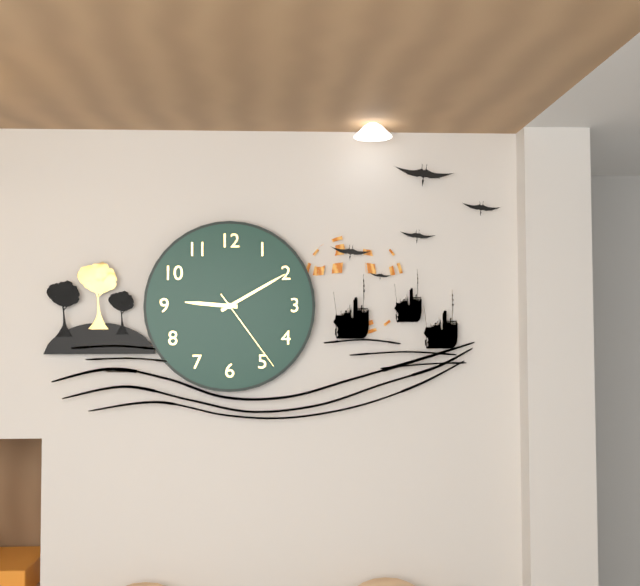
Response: 9:10:24
